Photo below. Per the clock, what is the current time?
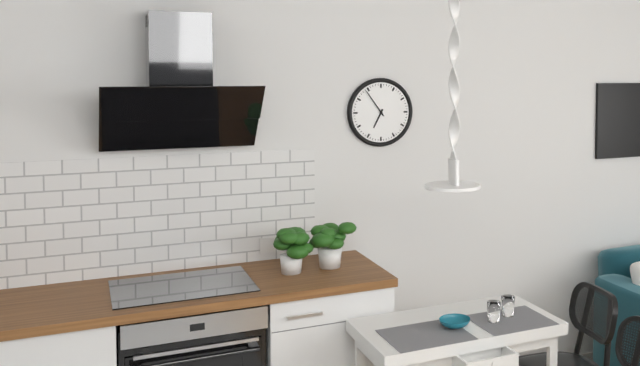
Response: 6:54
